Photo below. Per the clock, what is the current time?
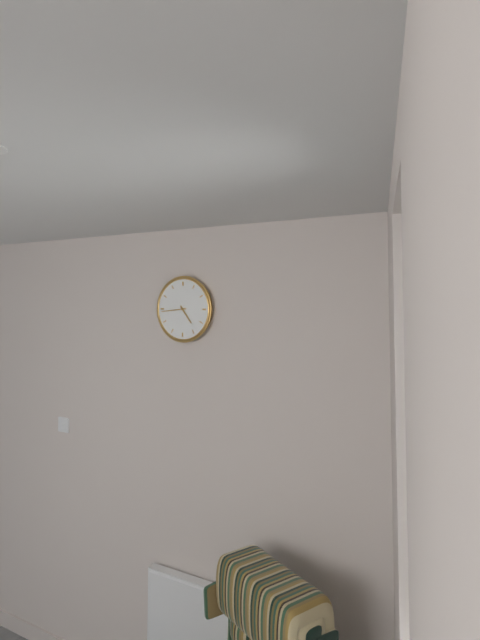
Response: 4:44
